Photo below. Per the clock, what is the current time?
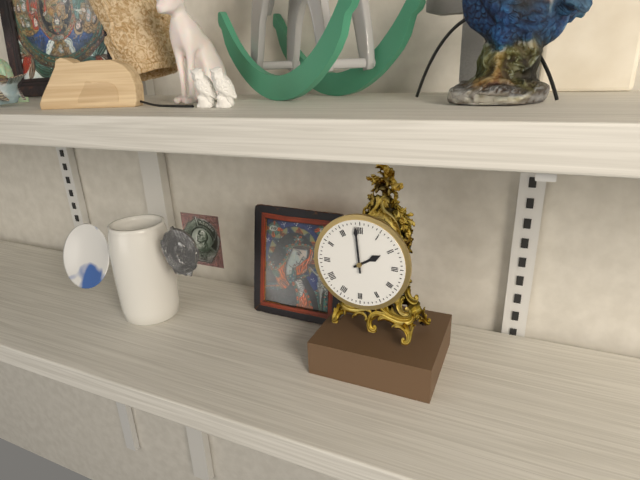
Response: 1:59
